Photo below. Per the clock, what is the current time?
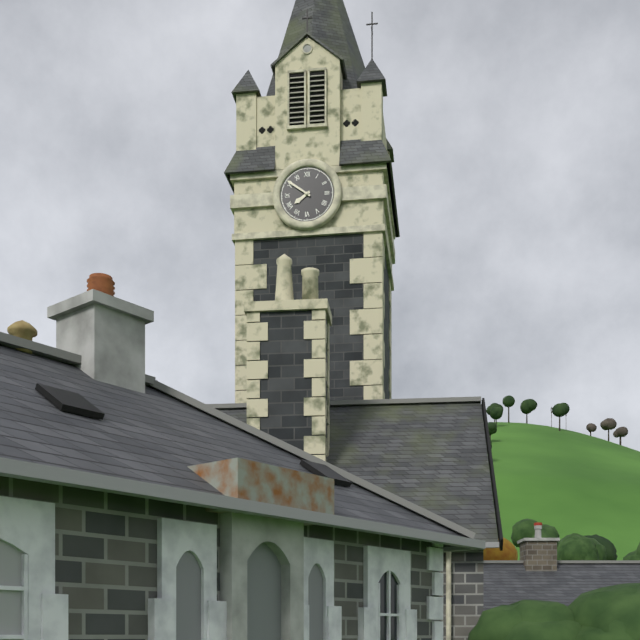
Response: 7:51
